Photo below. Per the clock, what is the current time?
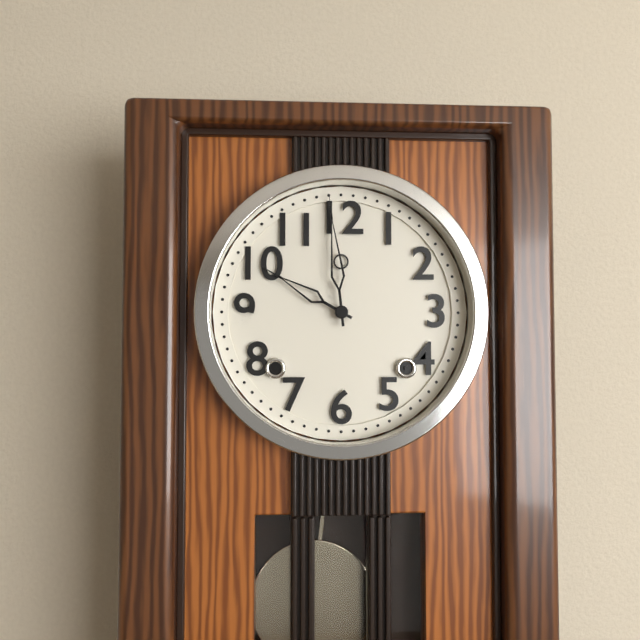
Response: 9:59
